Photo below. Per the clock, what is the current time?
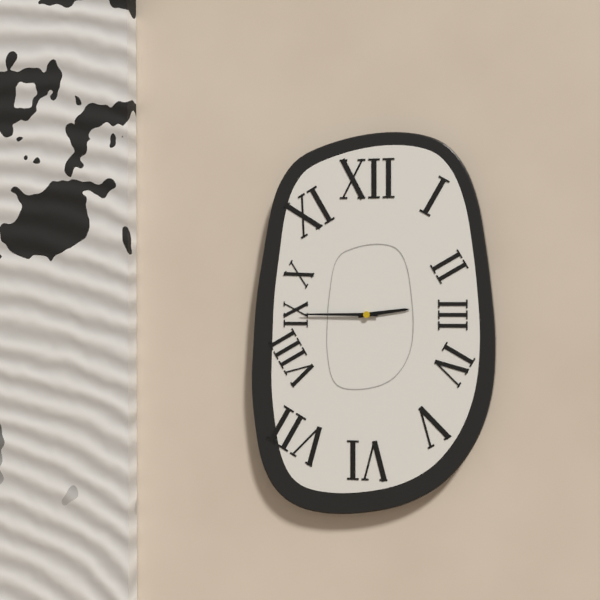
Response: 2:45
